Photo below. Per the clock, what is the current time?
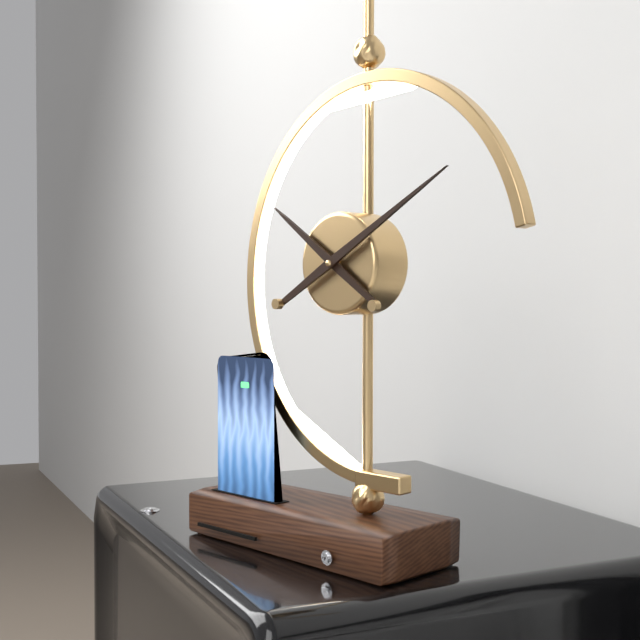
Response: 10:10
